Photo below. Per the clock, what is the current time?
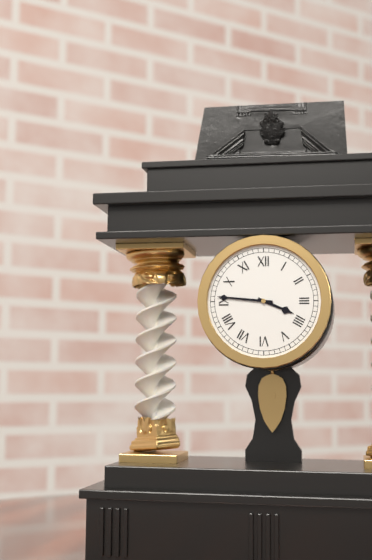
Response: 3:46
